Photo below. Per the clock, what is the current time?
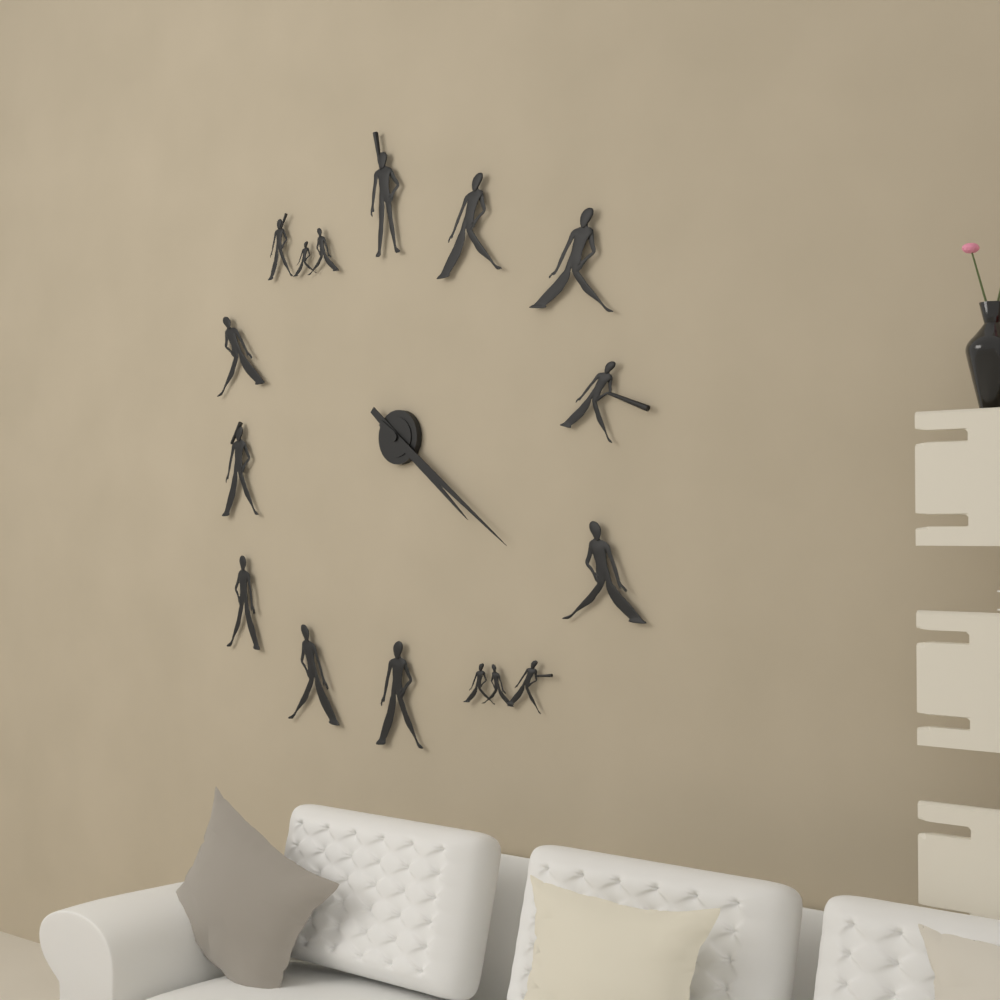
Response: 4:21
